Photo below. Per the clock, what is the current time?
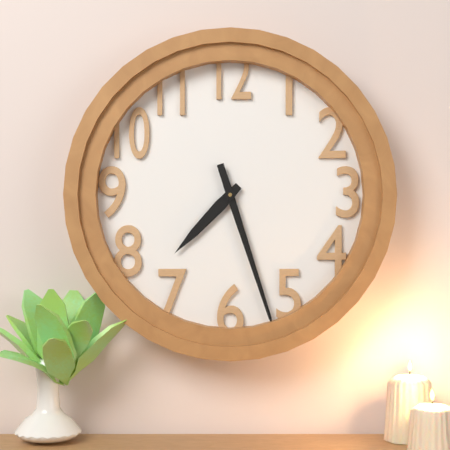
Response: 7:27
